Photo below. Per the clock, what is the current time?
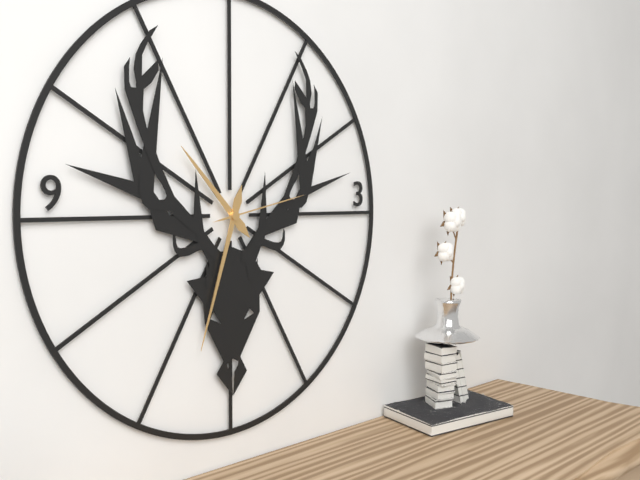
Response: 10:33:13
